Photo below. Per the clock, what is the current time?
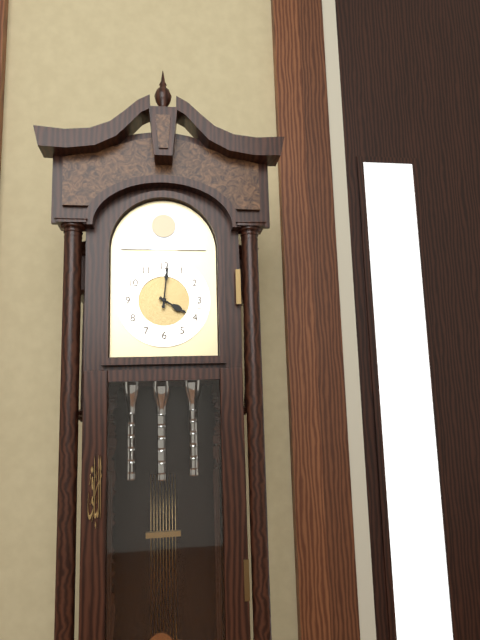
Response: 4:01
